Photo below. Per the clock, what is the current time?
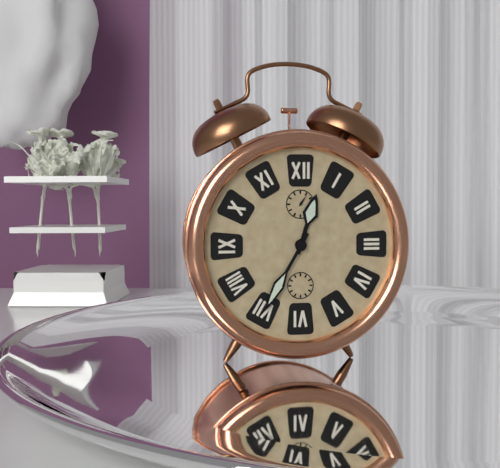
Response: 12:35
